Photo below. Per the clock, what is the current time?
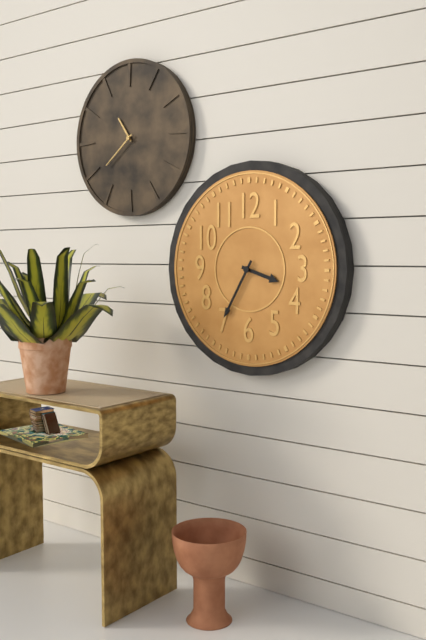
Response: 3:35
